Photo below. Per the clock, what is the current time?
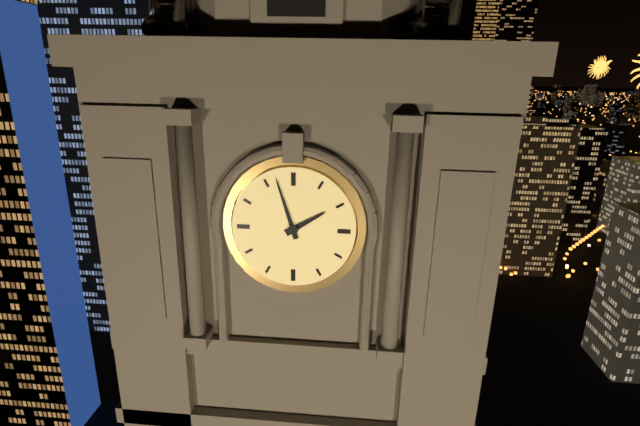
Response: 1:57
